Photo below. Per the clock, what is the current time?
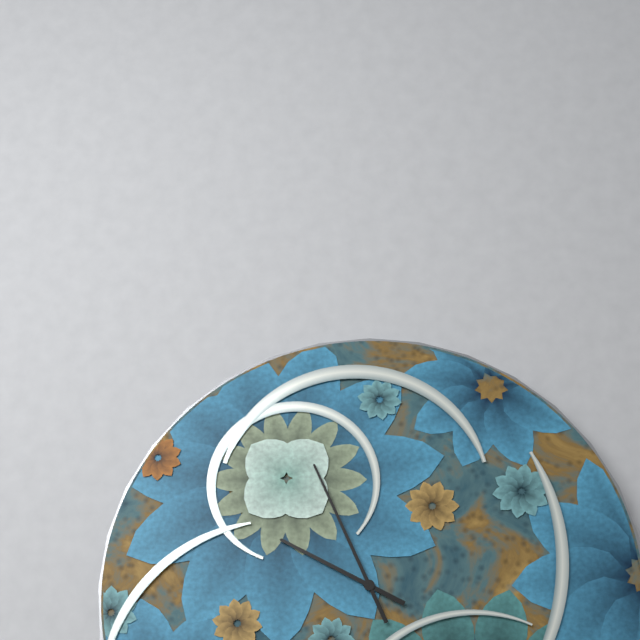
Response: 9:56
